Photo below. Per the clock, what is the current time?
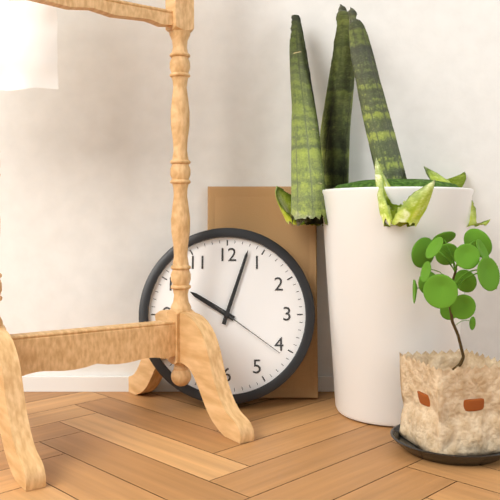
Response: 10:03:21
